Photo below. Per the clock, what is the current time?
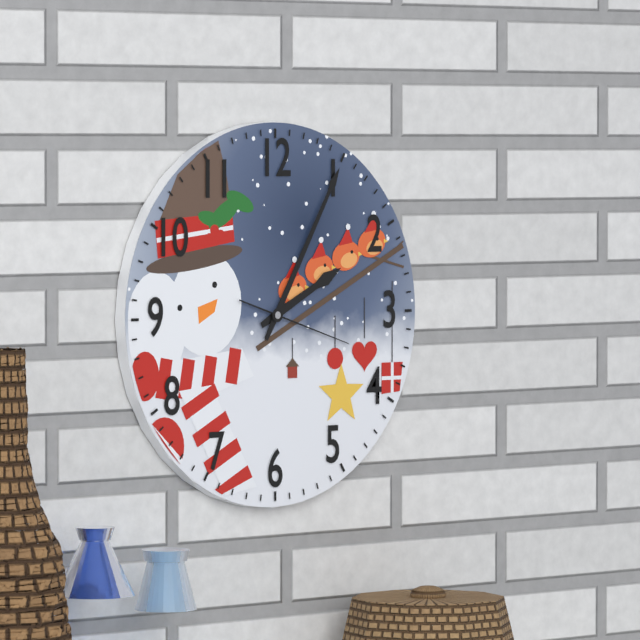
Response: 2:05:18
